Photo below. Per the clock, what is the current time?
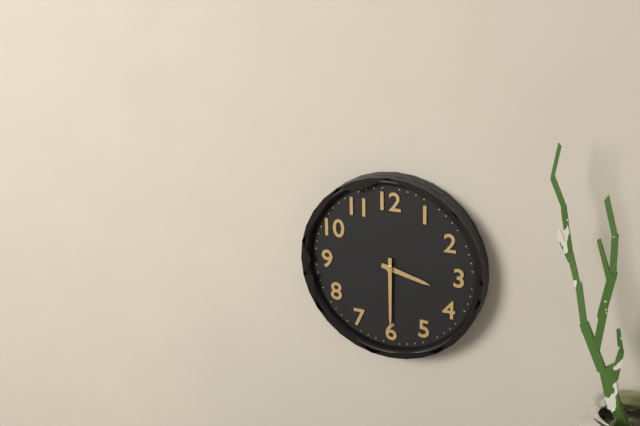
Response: 3:30
